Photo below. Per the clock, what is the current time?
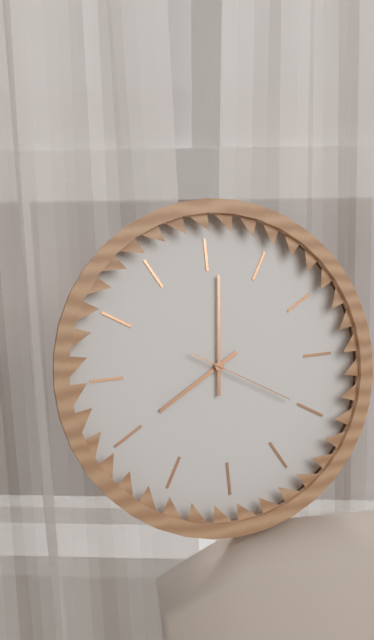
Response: 8:01:20
